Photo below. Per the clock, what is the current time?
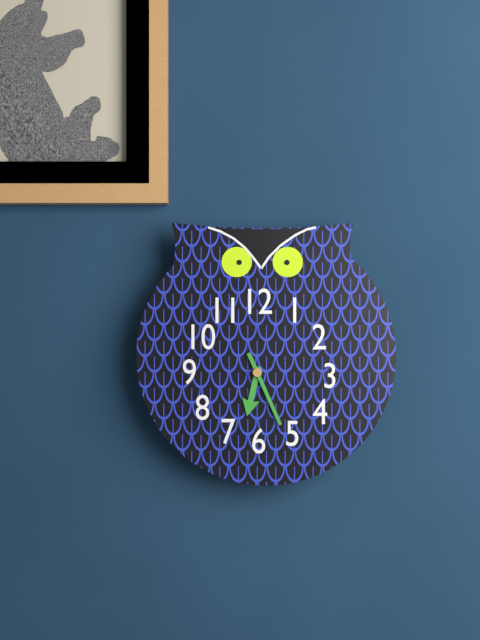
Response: 6:26
